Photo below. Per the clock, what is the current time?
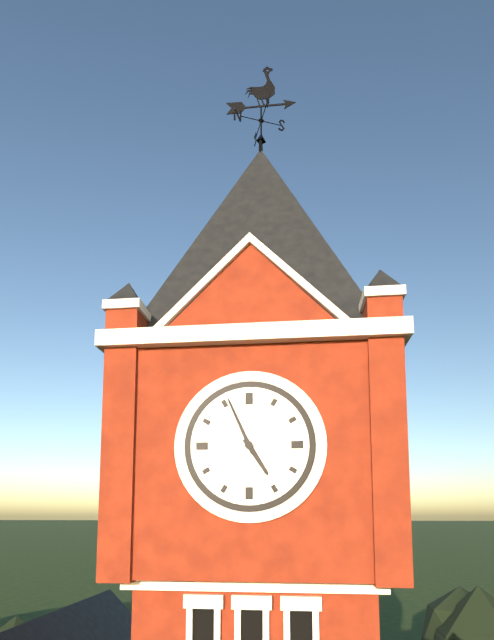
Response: 4:56
